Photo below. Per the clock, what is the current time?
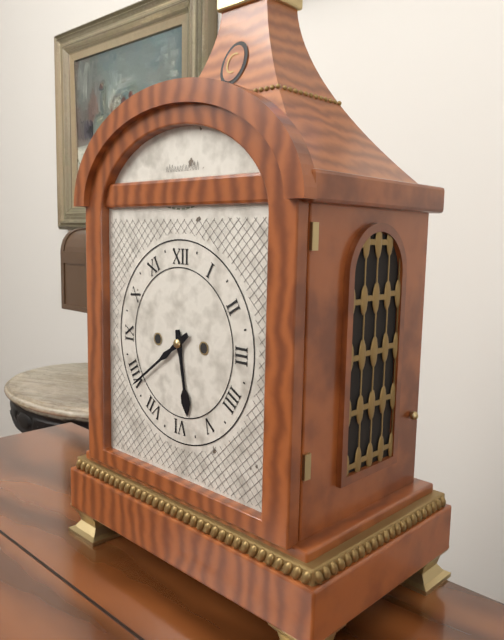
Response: 5:39
